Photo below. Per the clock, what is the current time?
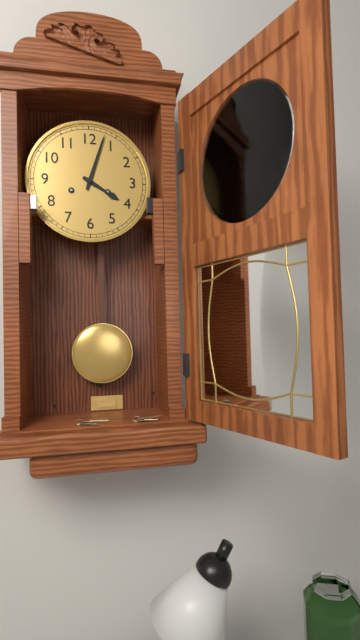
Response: 4:03
